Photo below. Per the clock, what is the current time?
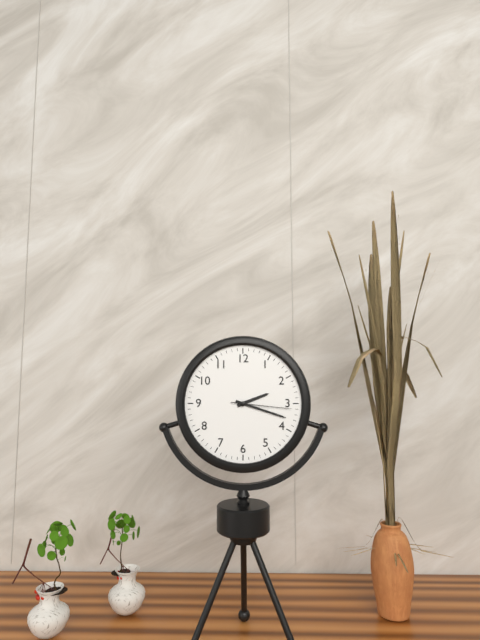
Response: 2:18:16
